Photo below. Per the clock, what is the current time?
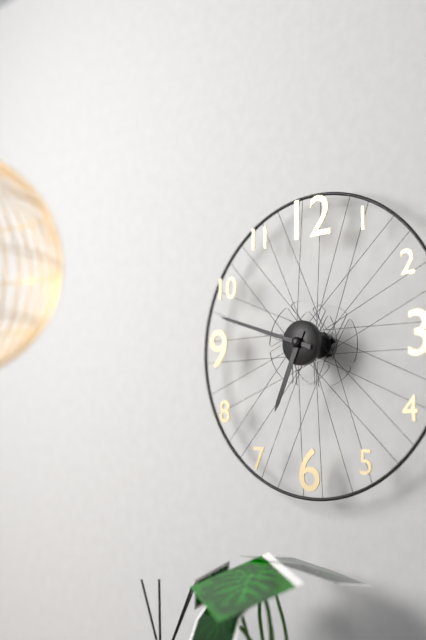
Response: 6:48
